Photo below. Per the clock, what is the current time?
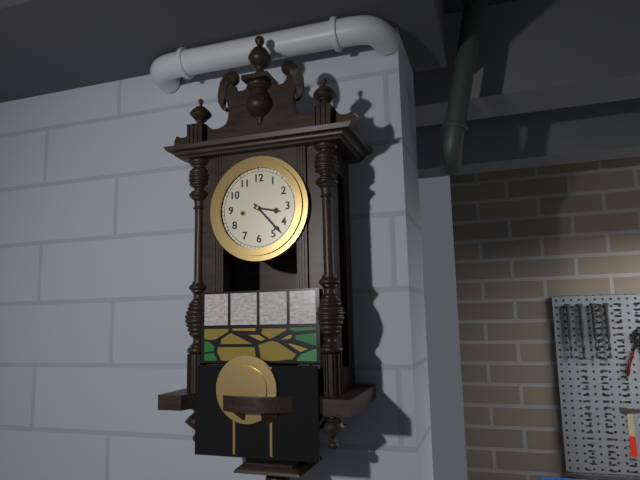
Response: 3:23
